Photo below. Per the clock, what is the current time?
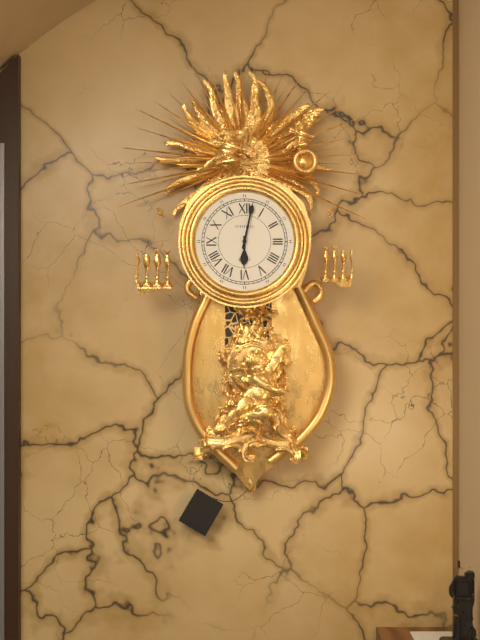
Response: 6:02
